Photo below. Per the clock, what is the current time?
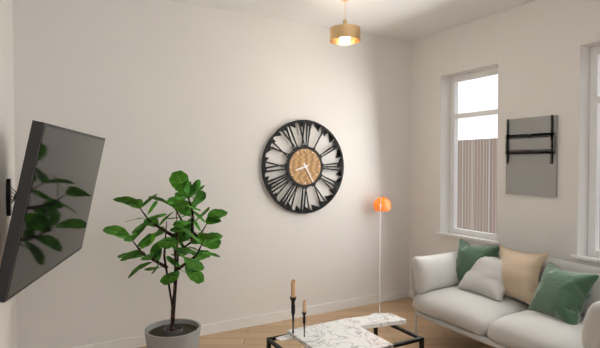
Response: 8:25
